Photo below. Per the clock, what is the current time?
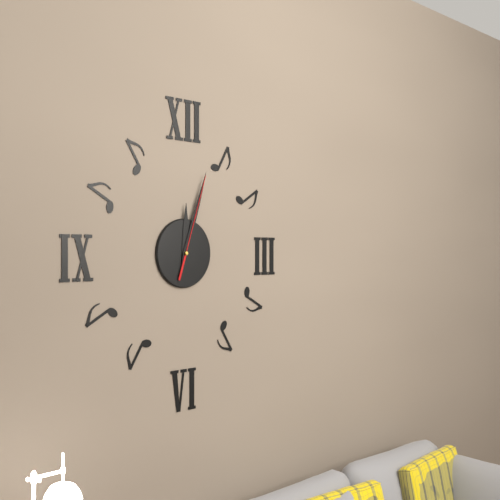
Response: 12:03:03
